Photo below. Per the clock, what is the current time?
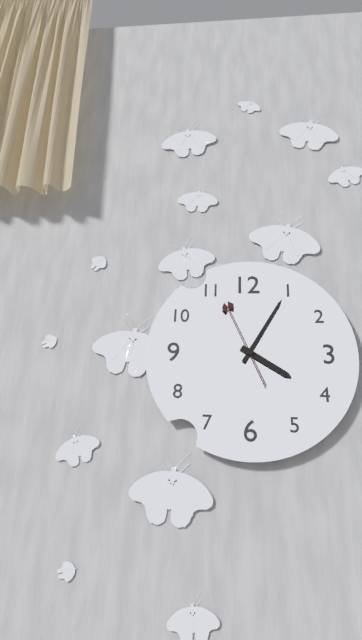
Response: 4:05:56
